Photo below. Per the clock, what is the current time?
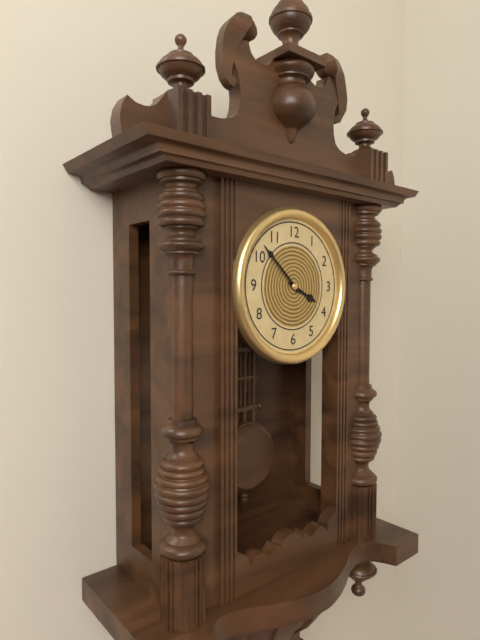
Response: 3:52
